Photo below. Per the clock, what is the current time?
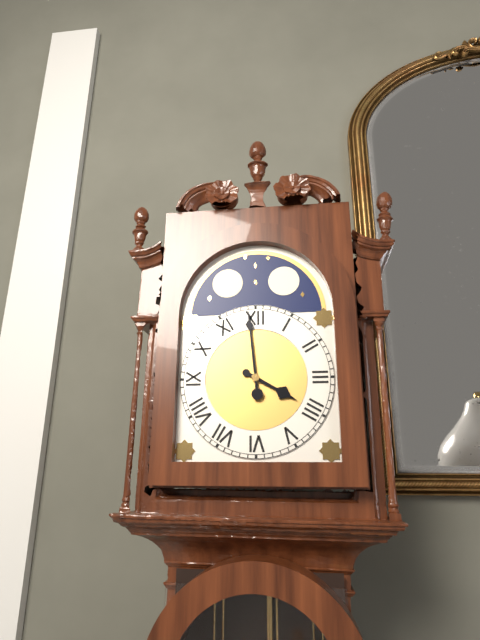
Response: 3:59
